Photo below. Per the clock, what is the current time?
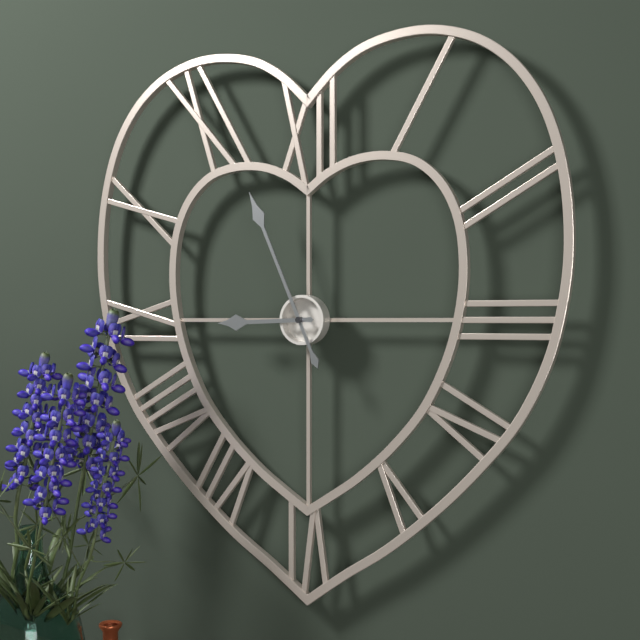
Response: 8:56
